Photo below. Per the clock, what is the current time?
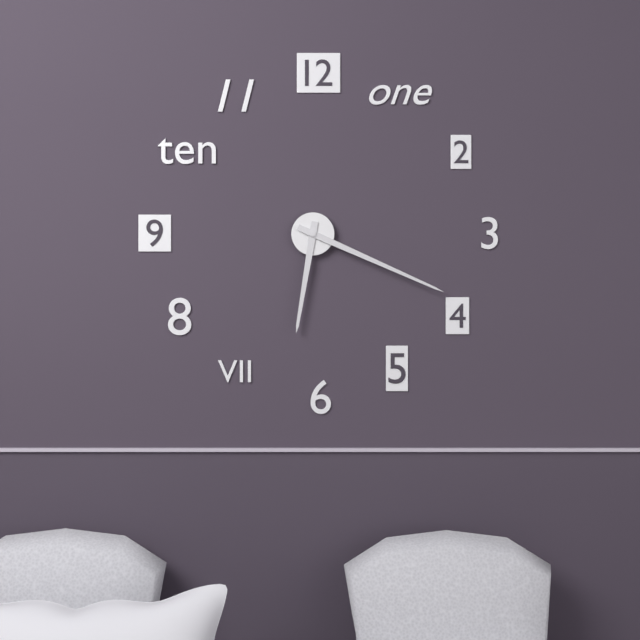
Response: 6:19
